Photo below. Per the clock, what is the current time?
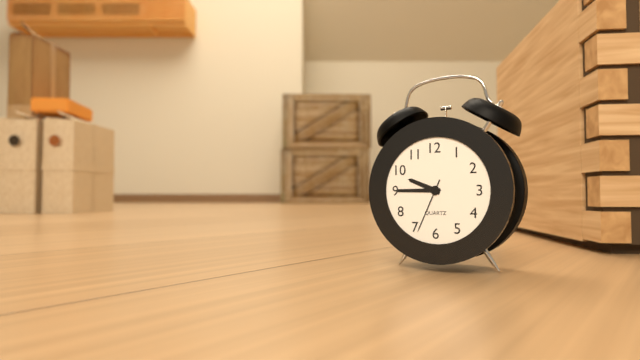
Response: 9:45:34
